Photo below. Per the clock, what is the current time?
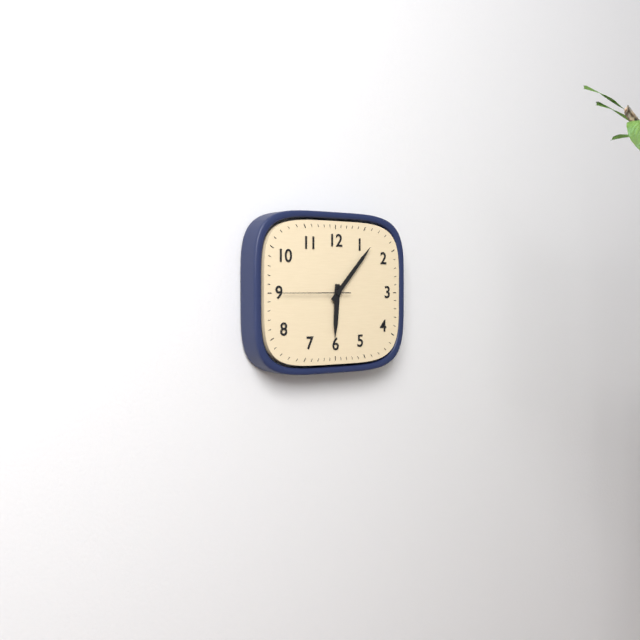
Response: 6:07
